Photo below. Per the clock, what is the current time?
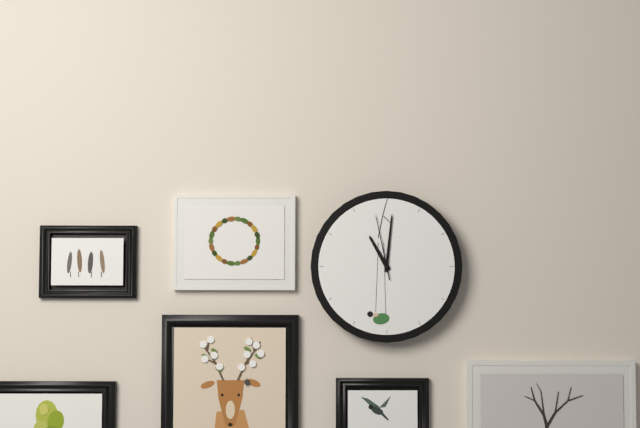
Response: 11:01:58
